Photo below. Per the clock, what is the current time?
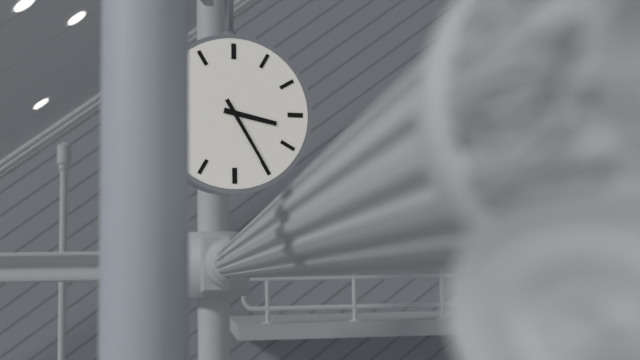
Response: 3:25
